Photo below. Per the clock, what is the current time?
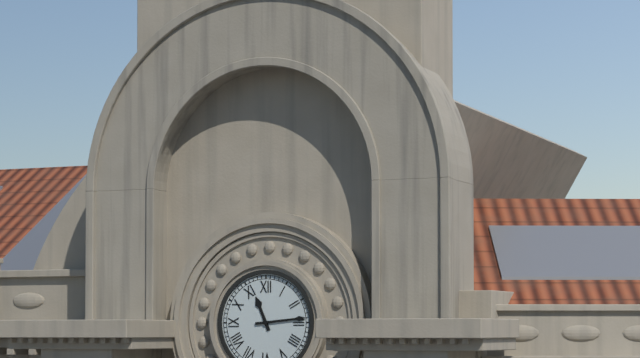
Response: 11:14
